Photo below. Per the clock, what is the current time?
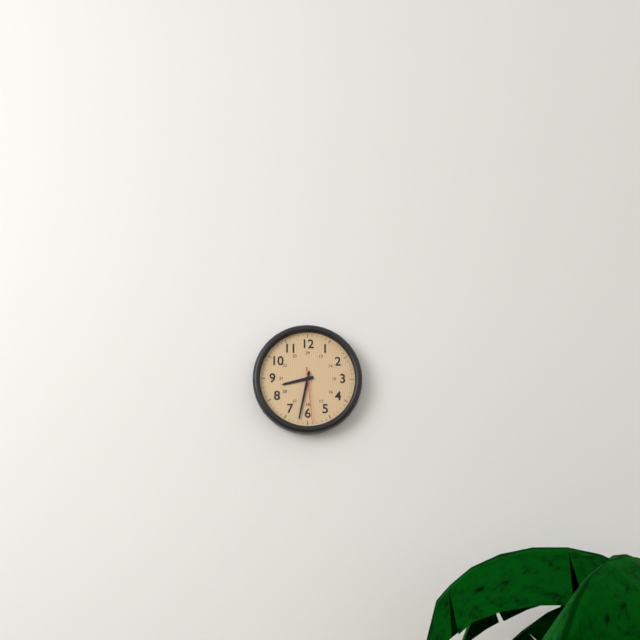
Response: 8:32:29
